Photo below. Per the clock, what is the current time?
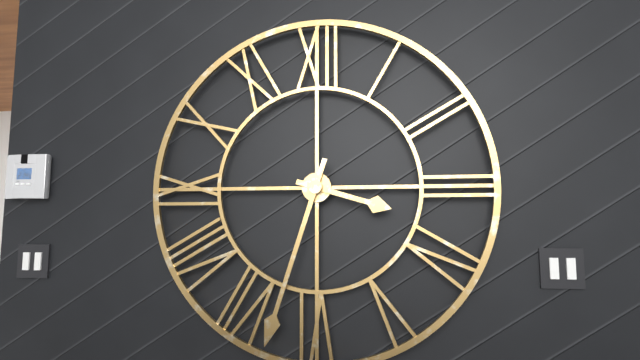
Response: 3:33
